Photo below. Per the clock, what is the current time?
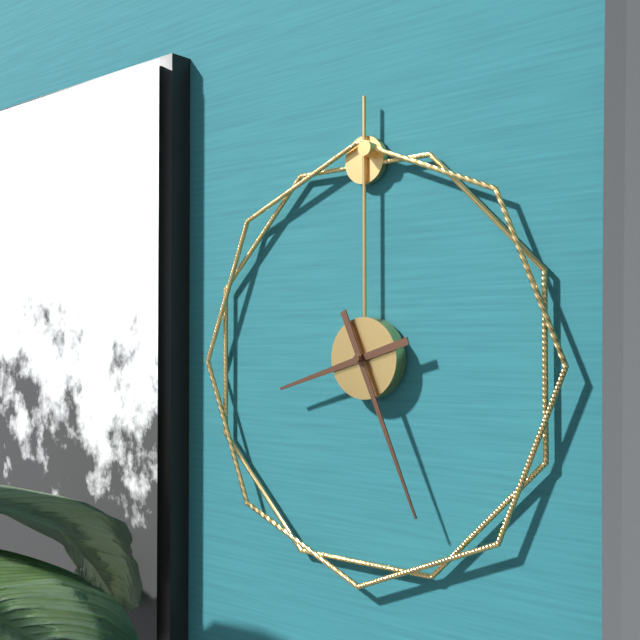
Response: 8:26
